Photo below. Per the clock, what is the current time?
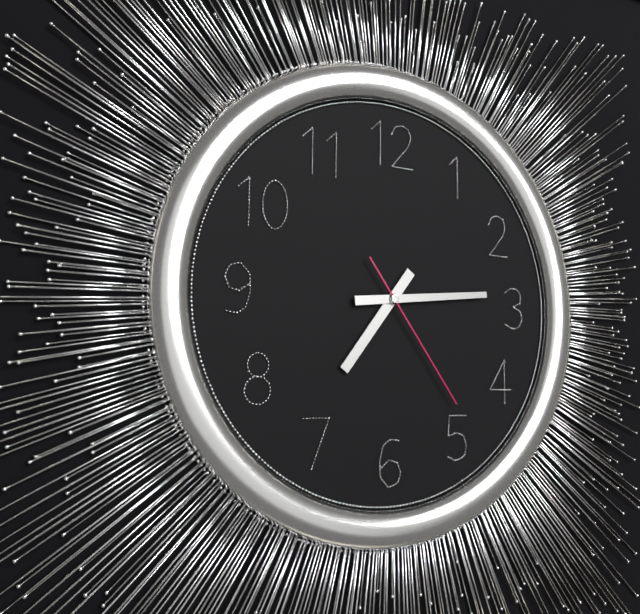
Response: 7:14:24
